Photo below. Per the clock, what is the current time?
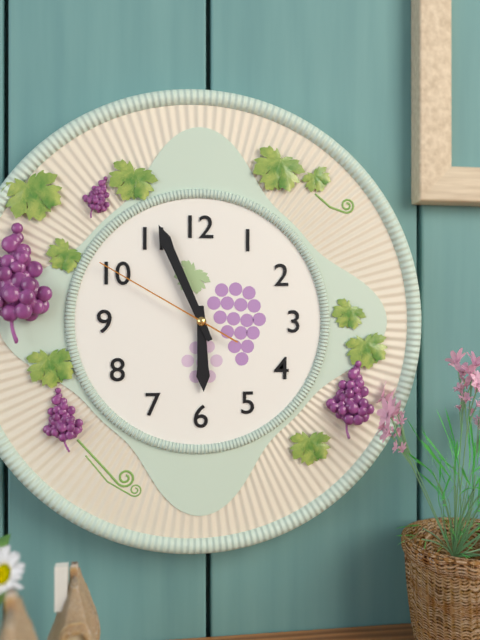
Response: 5:56:50
